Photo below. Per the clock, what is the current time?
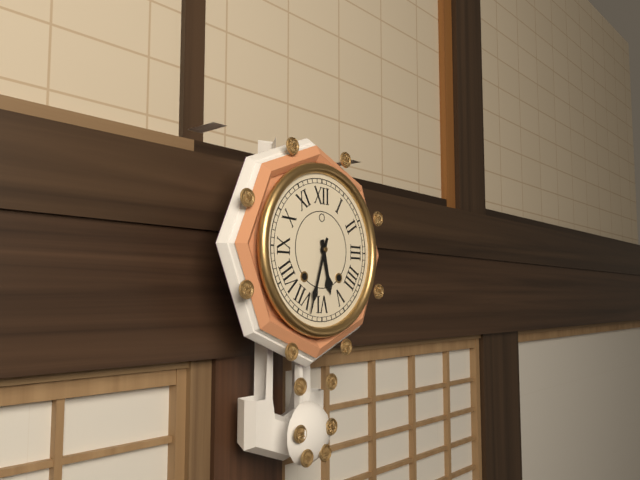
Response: 5:33
